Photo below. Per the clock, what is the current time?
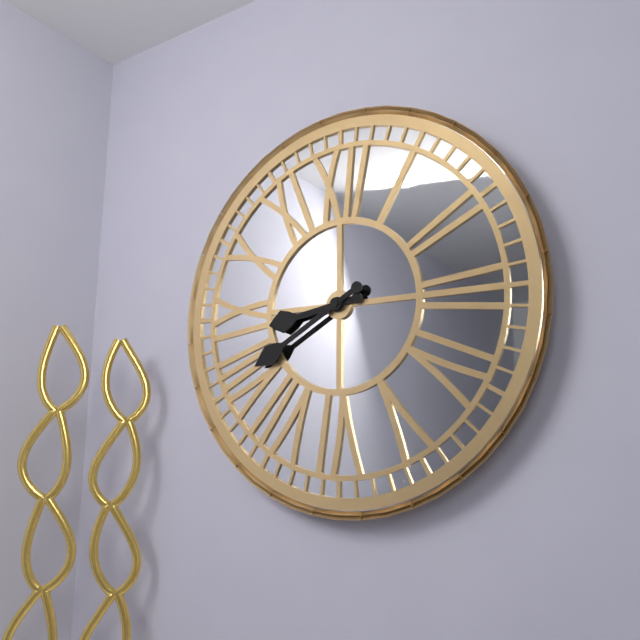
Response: 8:40
